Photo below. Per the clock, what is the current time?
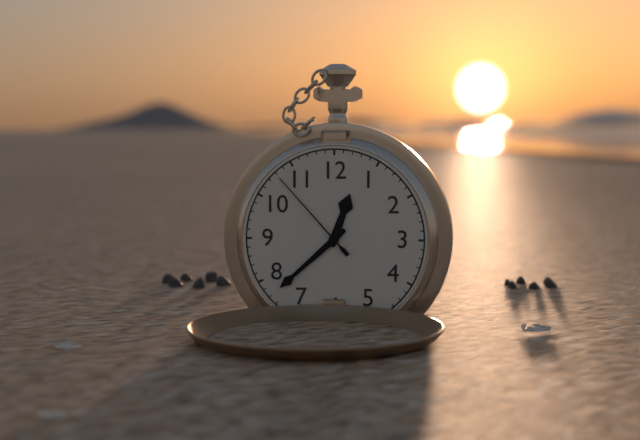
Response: 12:38:53
